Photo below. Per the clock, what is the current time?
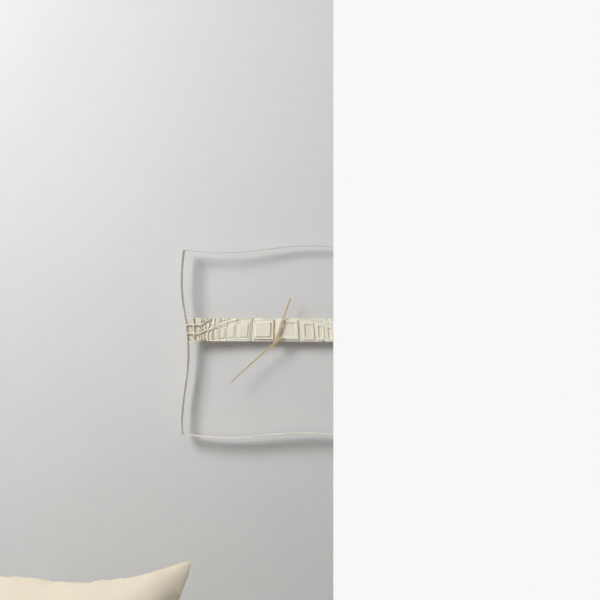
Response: 12:38
